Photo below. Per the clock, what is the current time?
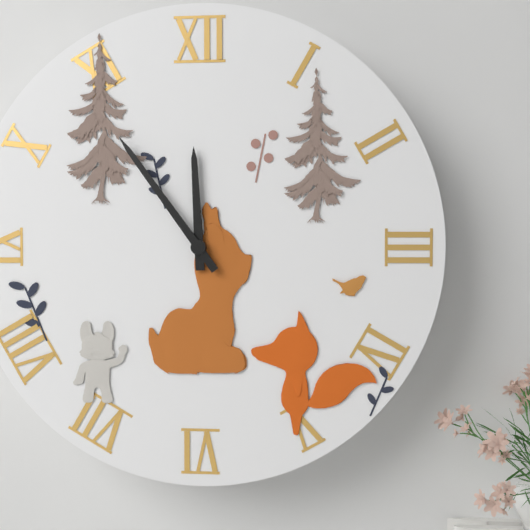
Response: 11:54
